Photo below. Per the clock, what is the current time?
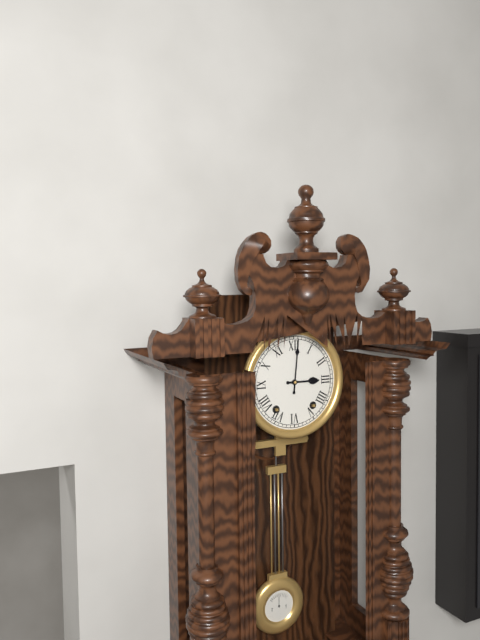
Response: 3:01
